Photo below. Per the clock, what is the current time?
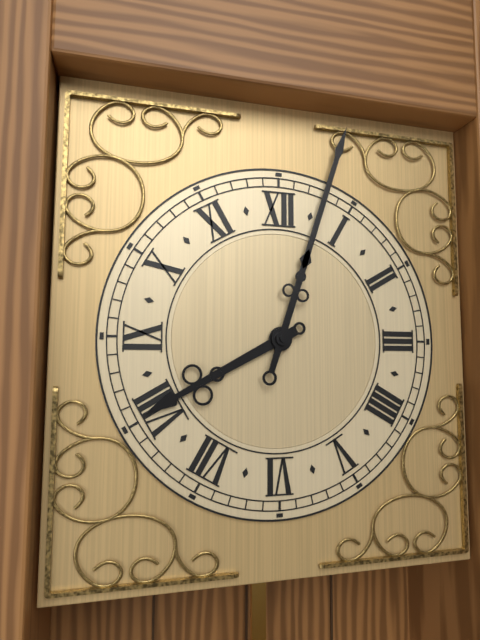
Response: 8:03
